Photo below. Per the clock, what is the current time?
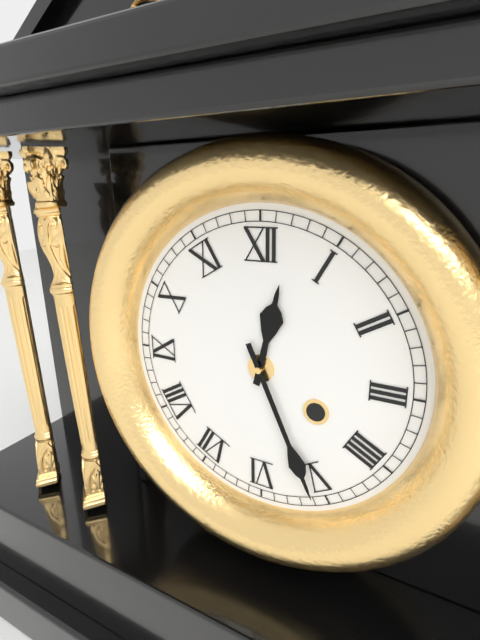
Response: 12:26
